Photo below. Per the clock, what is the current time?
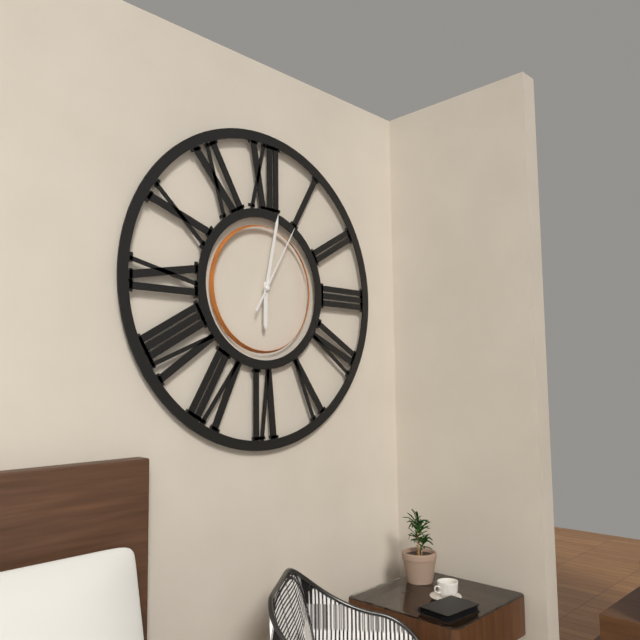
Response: 6:02:05
